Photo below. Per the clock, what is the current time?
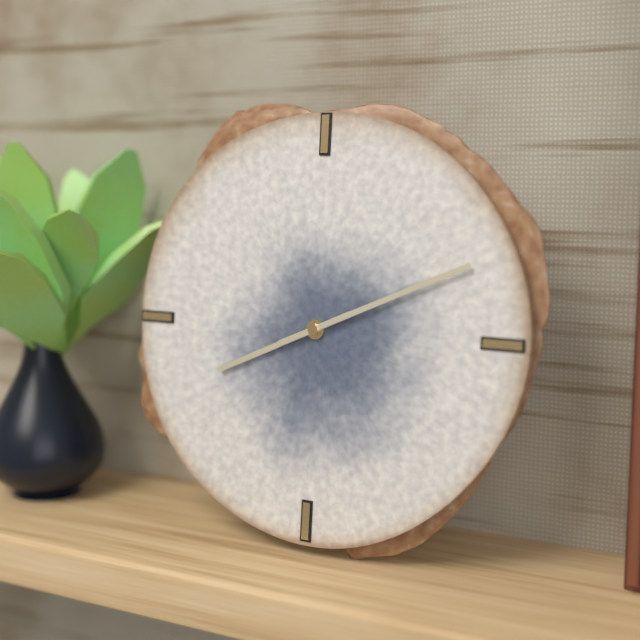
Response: 8:11
